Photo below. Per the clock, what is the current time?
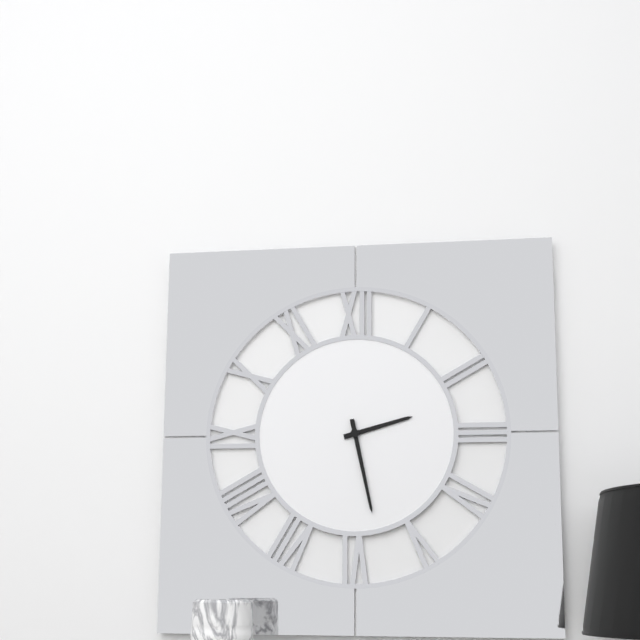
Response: 2:28
